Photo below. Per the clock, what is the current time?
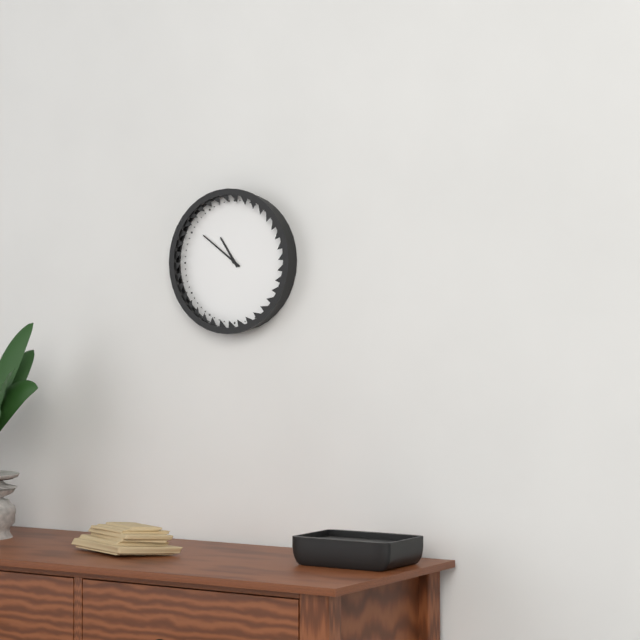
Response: 10:51
